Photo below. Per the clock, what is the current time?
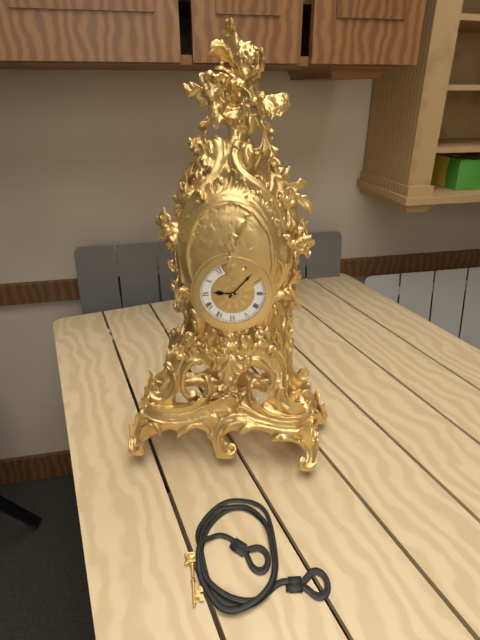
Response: 9:07
